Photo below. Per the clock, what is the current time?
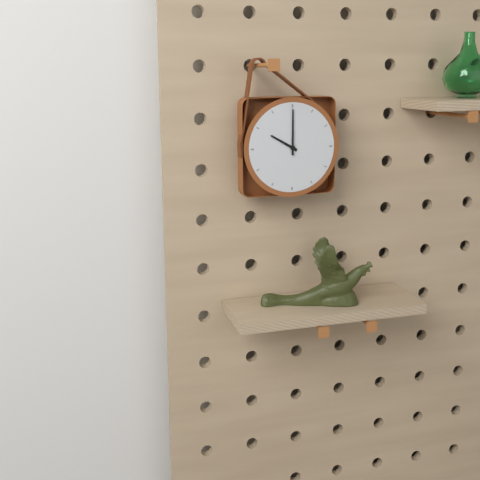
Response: 10:00
